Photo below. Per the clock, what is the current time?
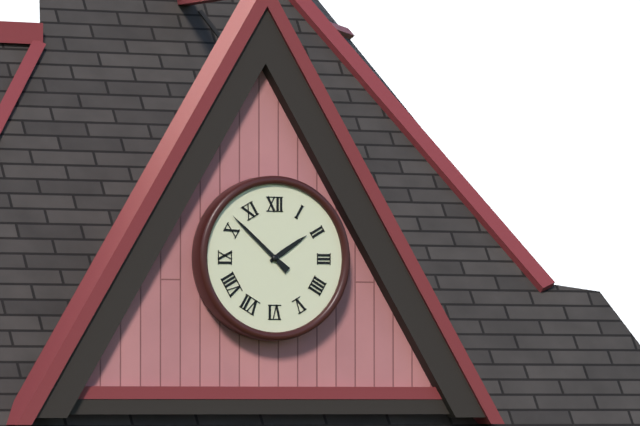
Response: 1:52
